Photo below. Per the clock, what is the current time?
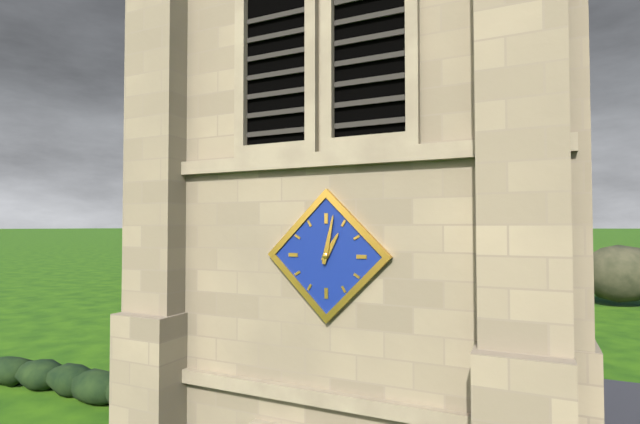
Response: 1:02
